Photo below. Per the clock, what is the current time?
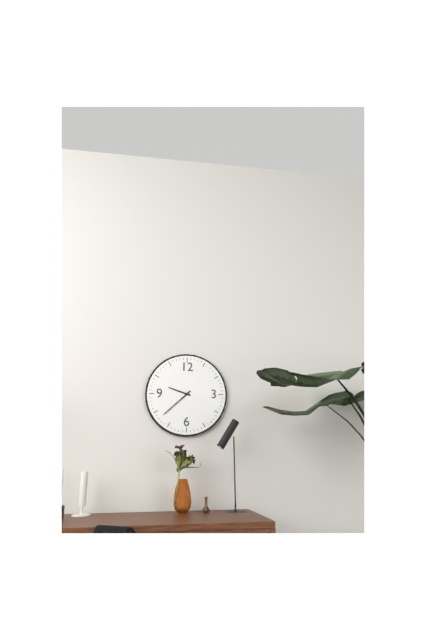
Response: 9:38
